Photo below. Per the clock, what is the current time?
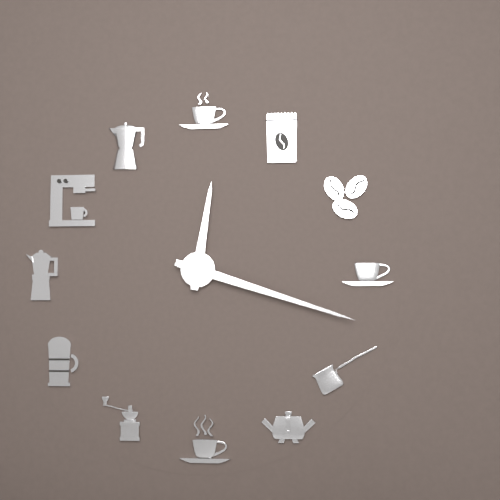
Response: 12:18
